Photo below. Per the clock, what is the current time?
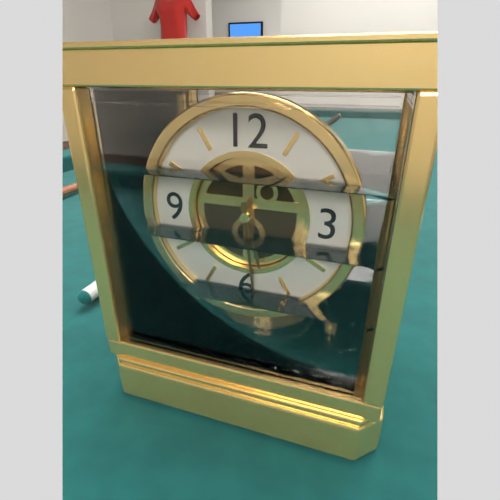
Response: 5:29
